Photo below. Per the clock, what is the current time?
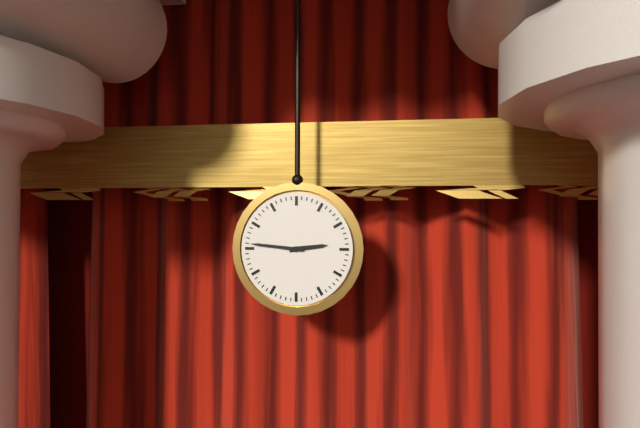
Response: 2:46
